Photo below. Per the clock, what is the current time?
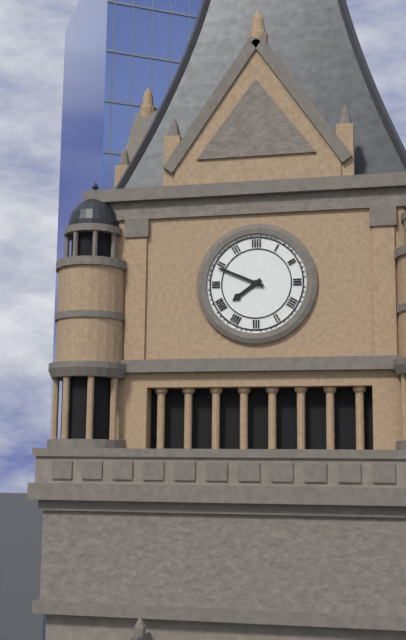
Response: 7:49
